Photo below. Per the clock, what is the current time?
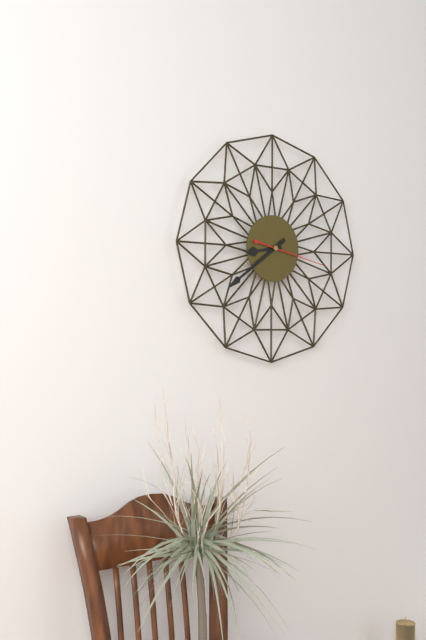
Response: 8:39:17
